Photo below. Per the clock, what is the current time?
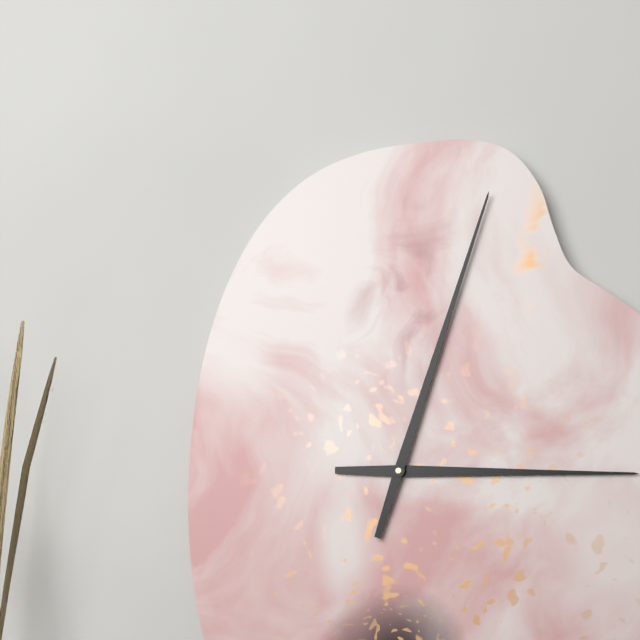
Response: 3:03
